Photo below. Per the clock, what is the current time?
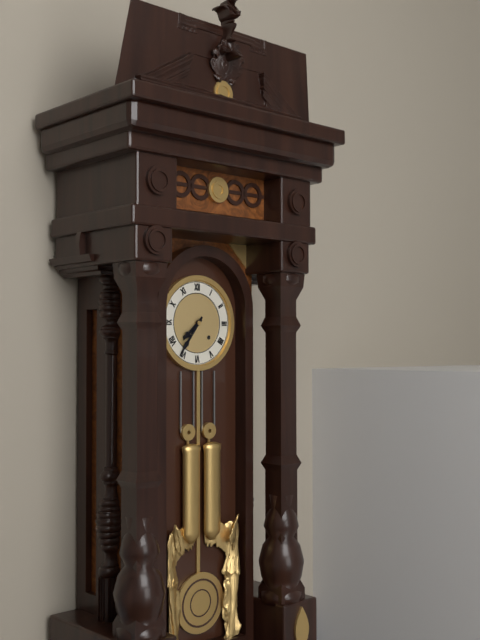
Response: 7:36
